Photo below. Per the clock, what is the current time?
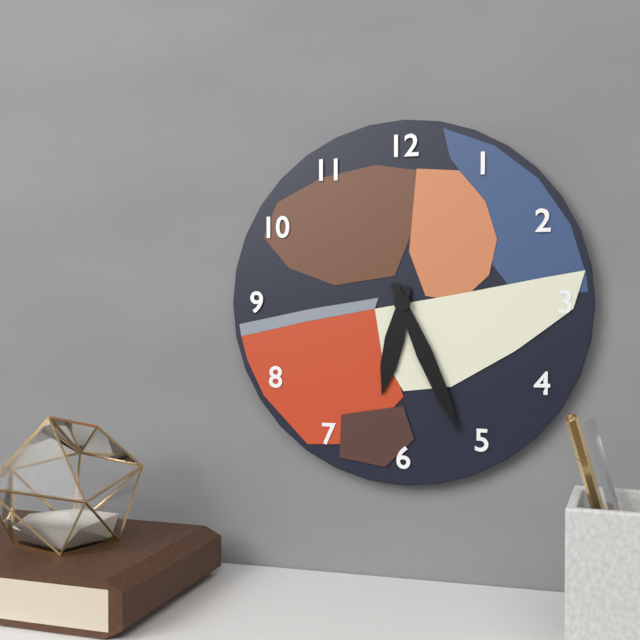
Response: 6:26
